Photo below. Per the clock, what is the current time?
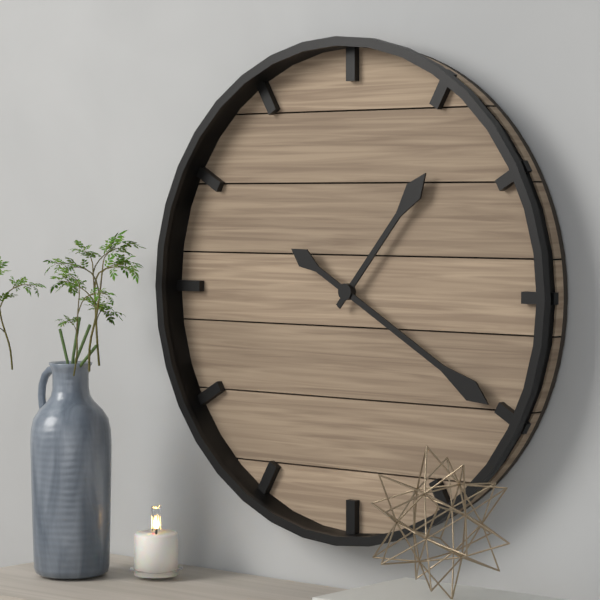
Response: 1:20
